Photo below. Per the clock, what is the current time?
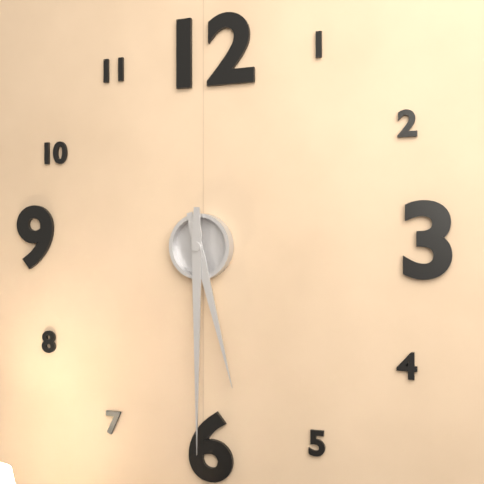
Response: 5:30
